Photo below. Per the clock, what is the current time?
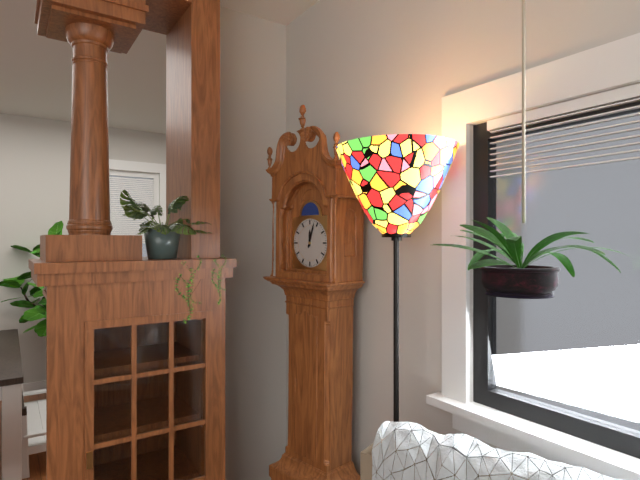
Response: 12:03
